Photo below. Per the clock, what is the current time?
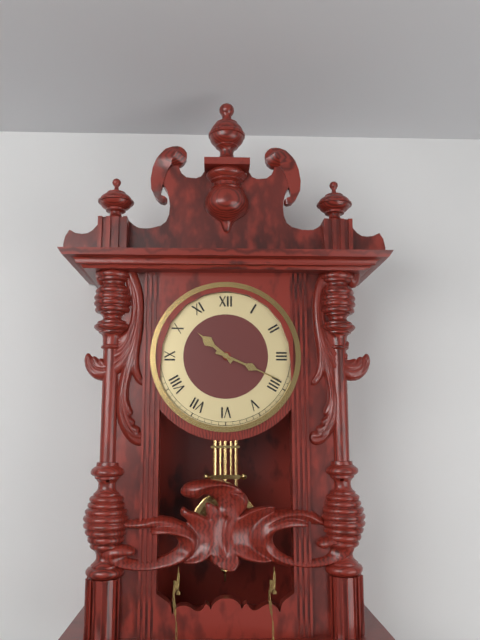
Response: 10:19
